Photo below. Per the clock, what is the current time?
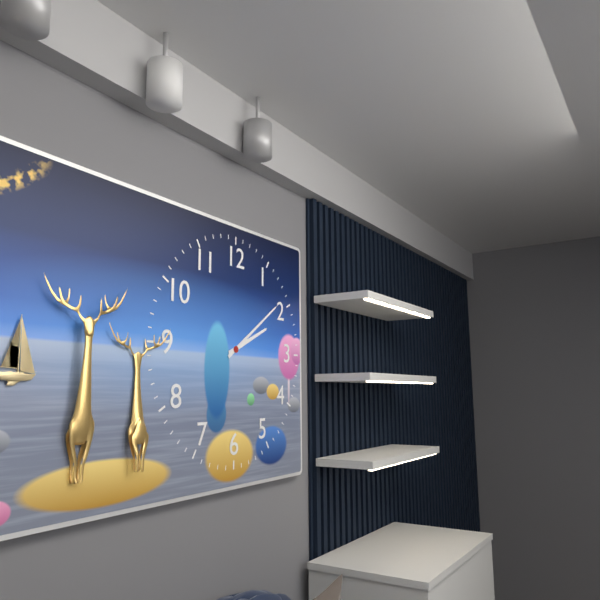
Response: 2:09
